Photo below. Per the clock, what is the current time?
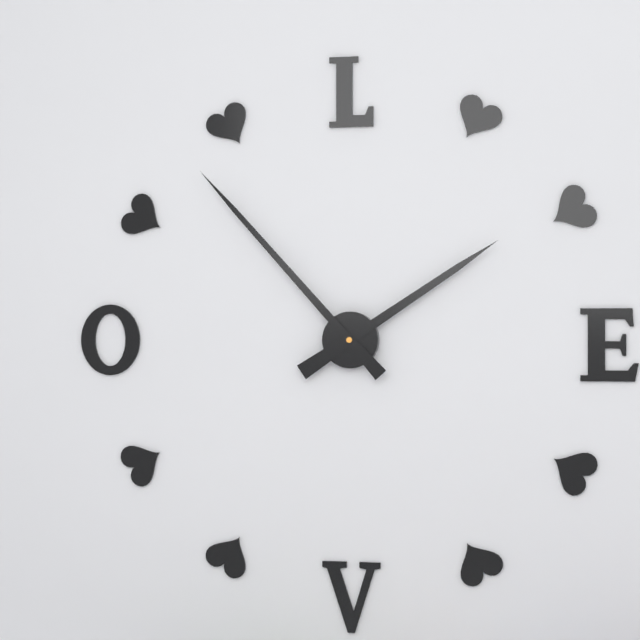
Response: 1:53
